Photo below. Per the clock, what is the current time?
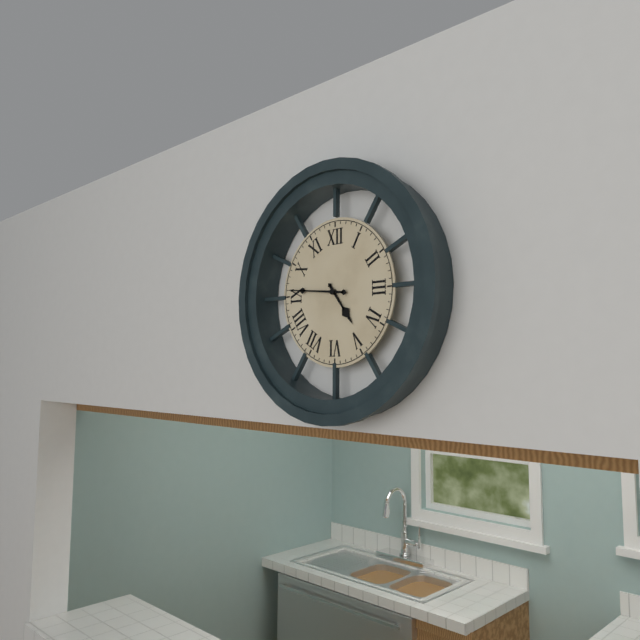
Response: 4:46
